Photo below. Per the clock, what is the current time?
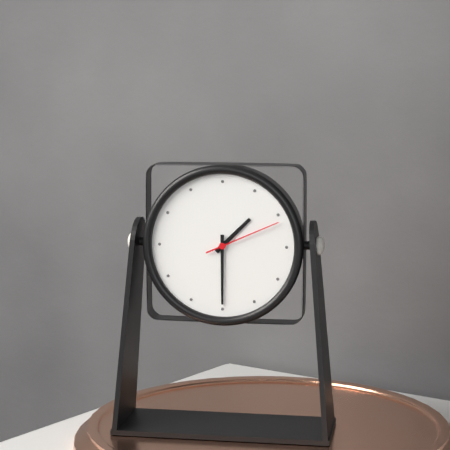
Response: 1:30:11
